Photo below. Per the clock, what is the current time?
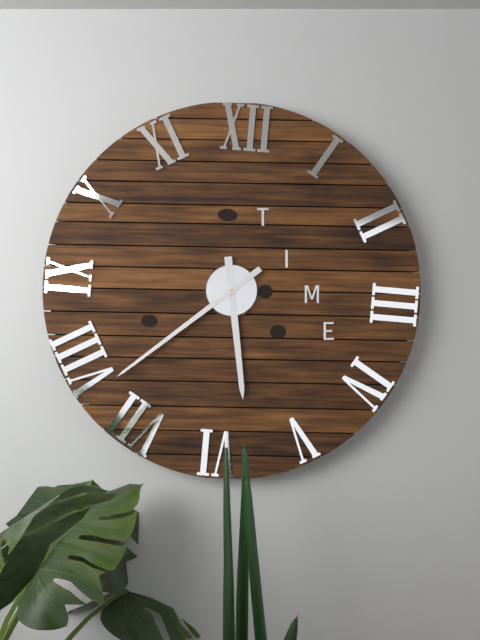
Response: 5:38
